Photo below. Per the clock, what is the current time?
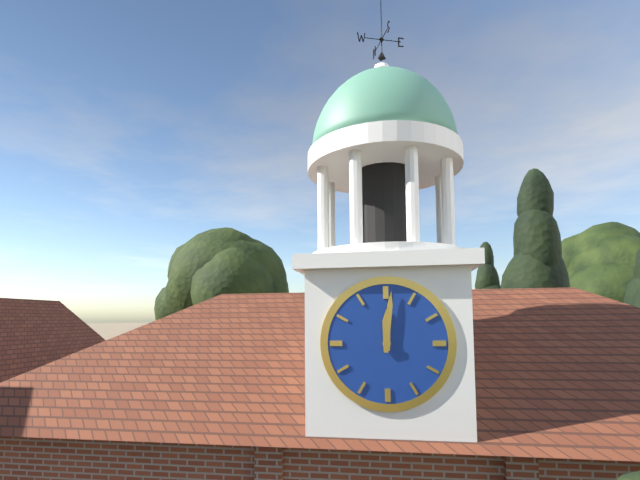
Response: 12:01
